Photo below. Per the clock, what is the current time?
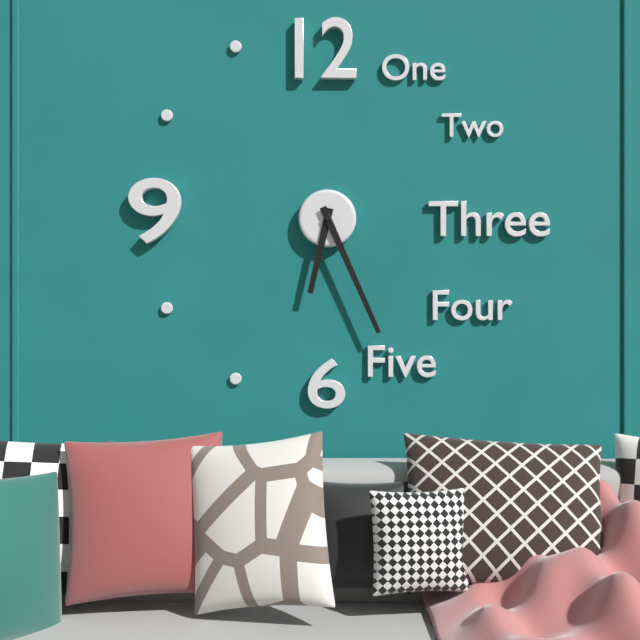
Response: 6:26
